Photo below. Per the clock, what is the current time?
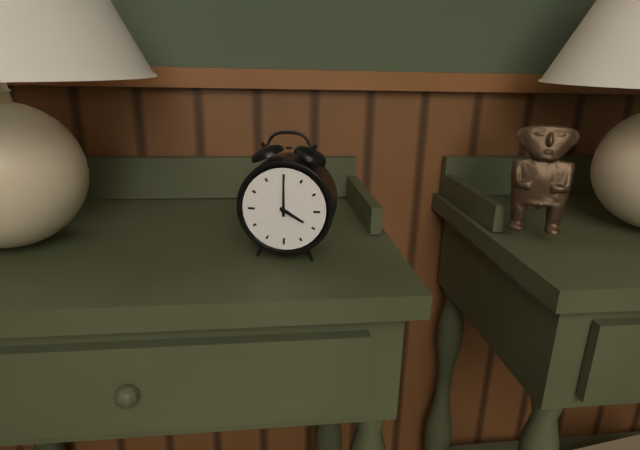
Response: 4:00
